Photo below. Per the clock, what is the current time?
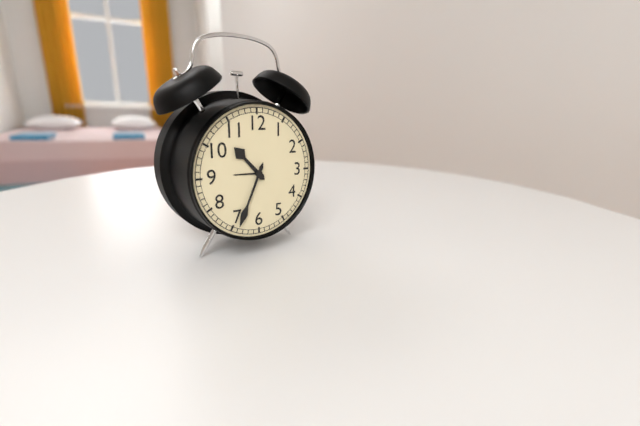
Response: 10:34
